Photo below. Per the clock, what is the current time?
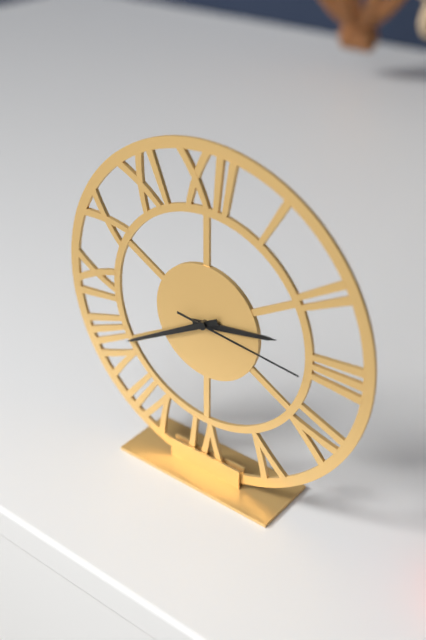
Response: 2:40:16
